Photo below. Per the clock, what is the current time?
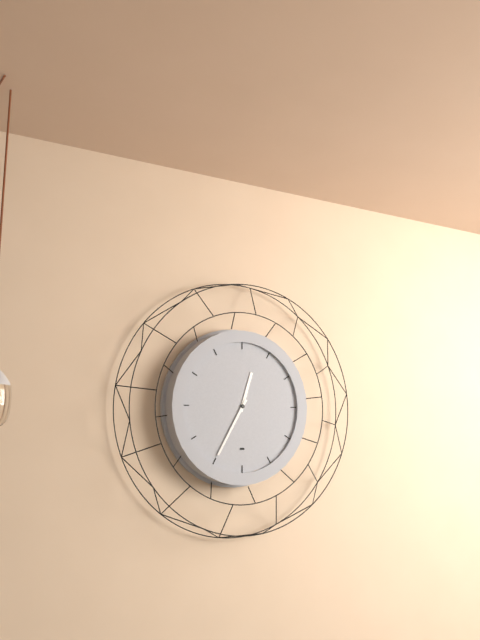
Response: 12:35
